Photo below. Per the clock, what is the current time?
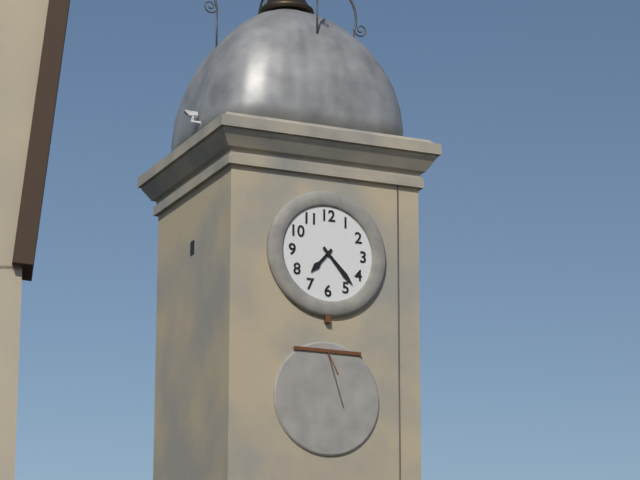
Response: 7:23
